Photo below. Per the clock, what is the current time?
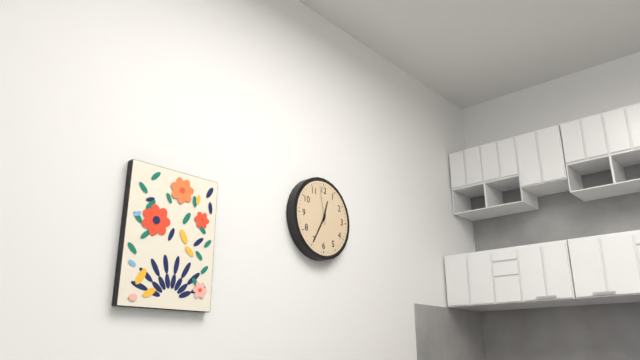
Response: 12:35
